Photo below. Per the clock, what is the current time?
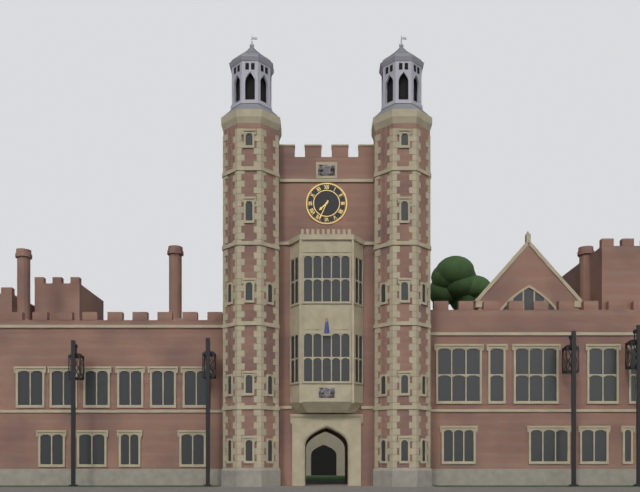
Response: 7:34
